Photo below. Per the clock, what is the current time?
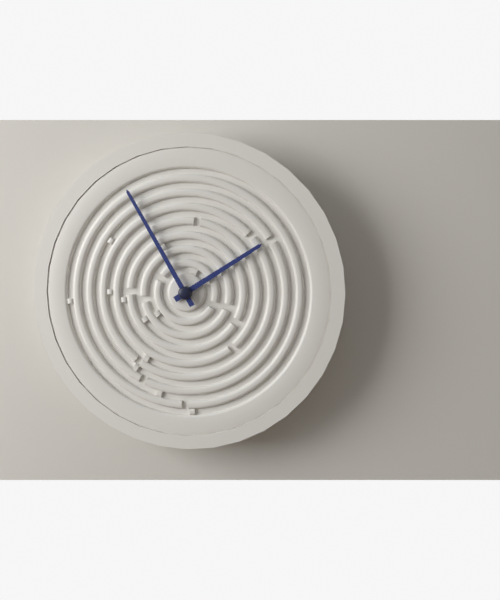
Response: 1:55
